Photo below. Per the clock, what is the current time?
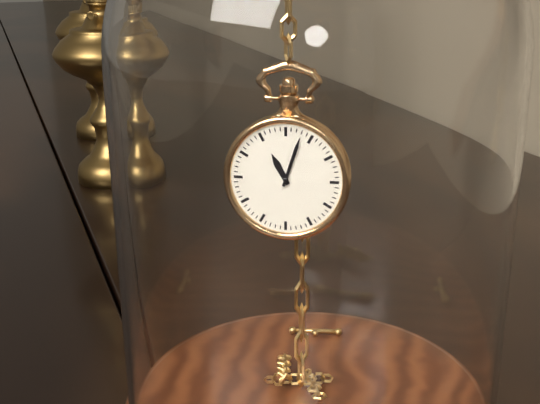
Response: 11:03
